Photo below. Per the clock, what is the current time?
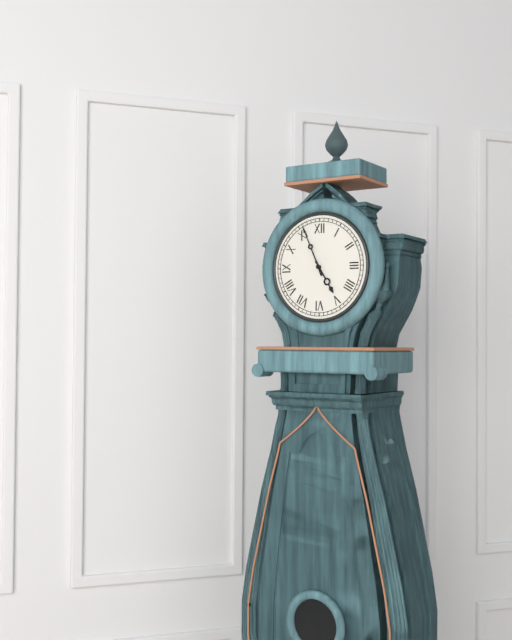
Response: 4:56
